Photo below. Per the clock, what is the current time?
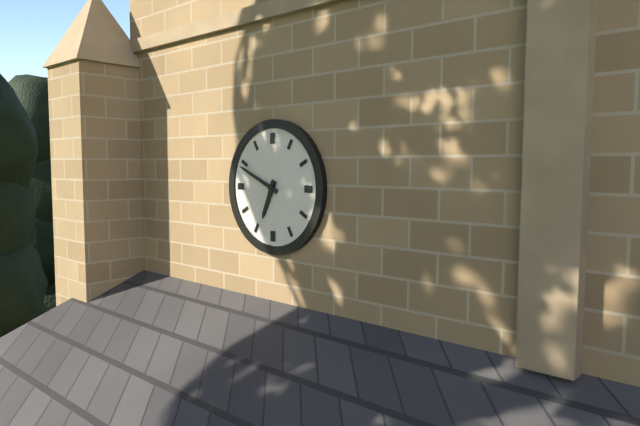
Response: 6:49
